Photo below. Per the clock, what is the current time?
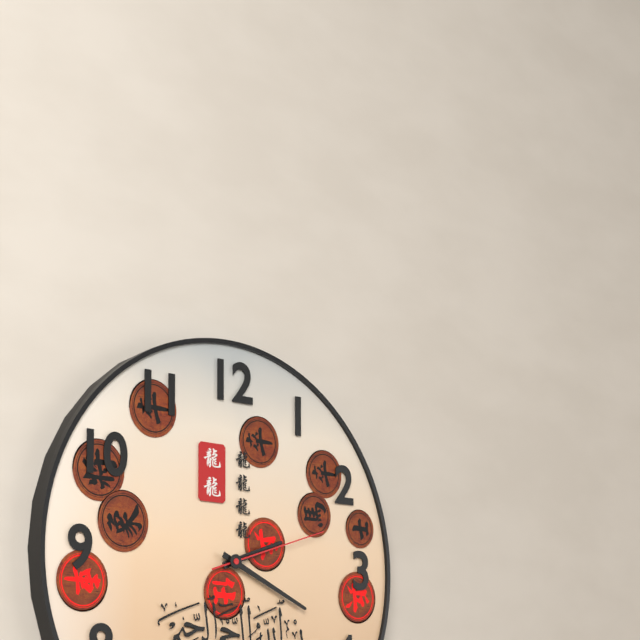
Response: 2:19:12
